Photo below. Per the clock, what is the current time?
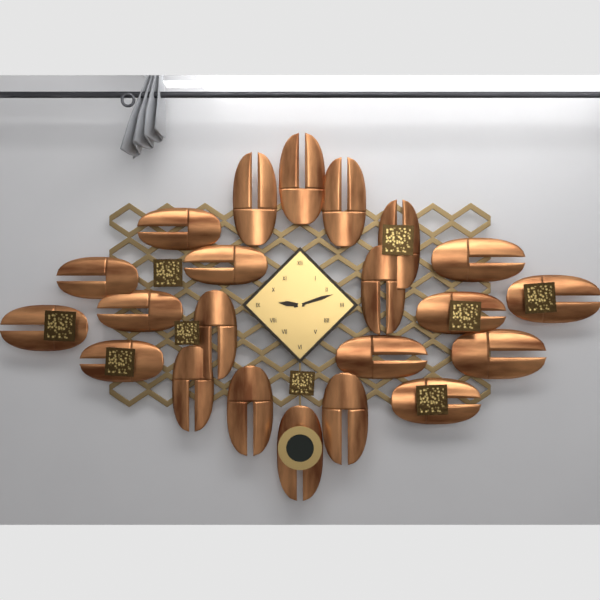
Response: 9:12
